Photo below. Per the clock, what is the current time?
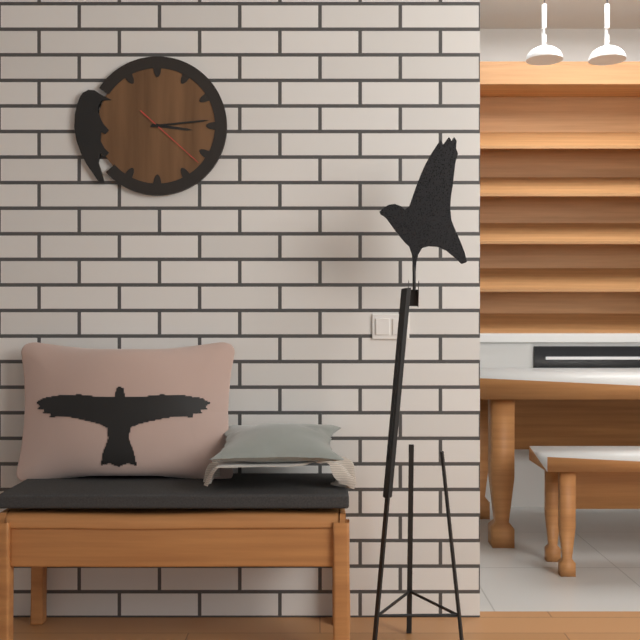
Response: 3:14:22
